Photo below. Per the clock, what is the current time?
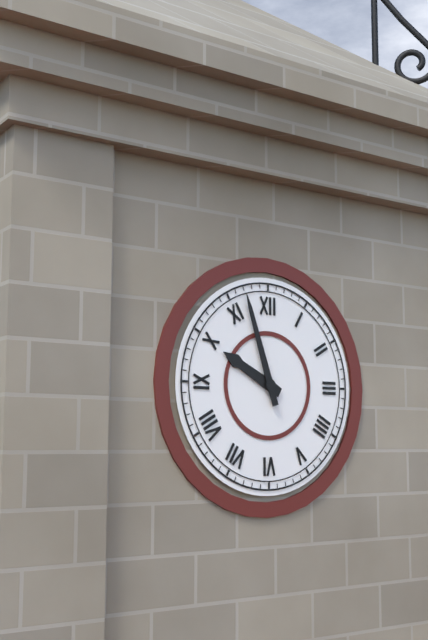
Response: 9:57
